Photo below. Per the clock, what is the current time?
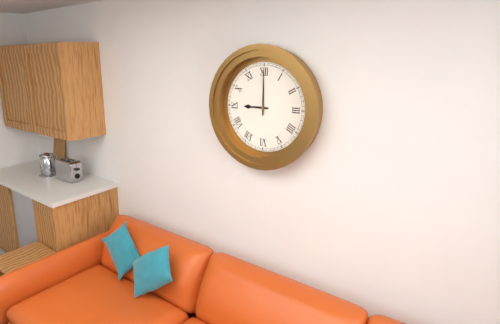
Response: 9:00
